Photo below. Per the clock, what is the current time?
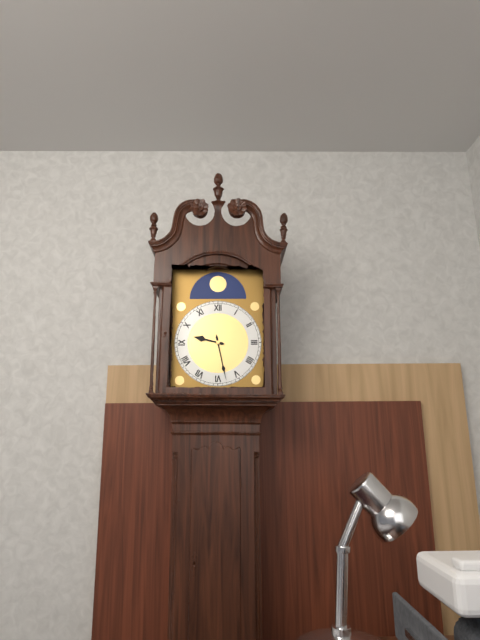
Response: 9:28
